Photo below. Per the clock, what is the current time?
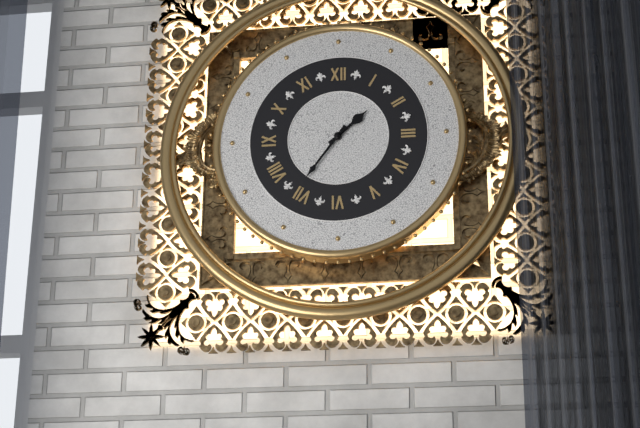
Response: 1:36
